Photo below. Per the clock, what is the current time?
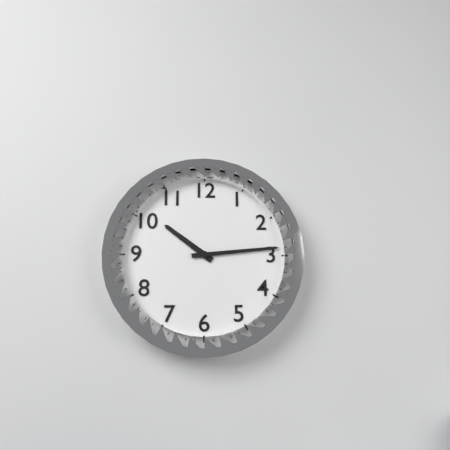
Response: 10:14
